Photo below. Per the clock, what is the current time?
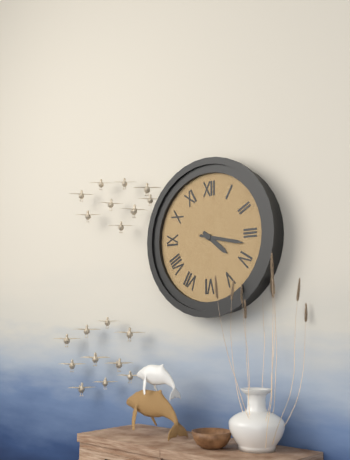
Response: 4:17
